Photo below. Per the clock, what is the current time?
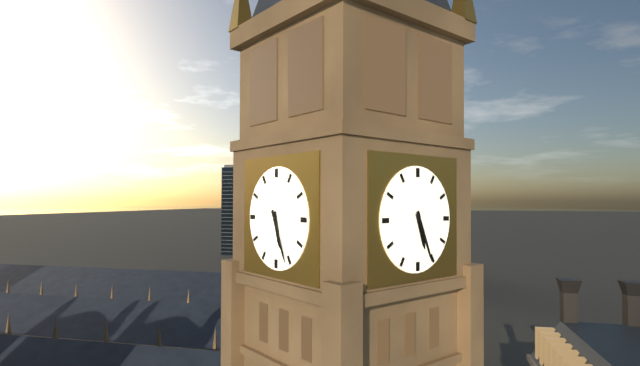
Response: 5:26
